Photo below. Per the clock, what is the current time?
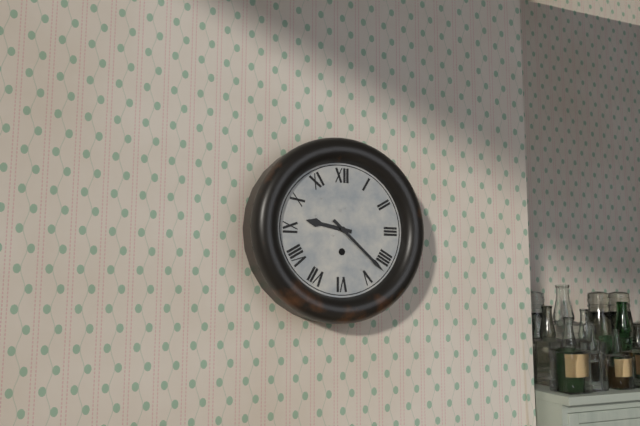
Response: 9:22
